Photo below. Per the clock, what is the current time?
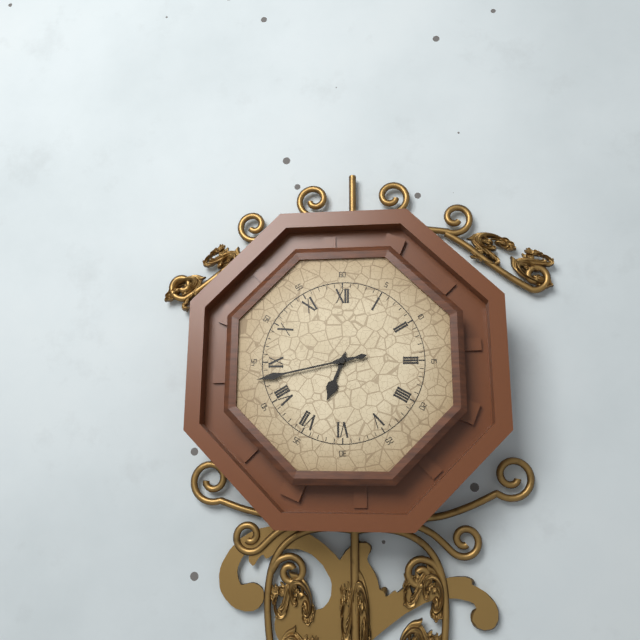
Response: 6:43
